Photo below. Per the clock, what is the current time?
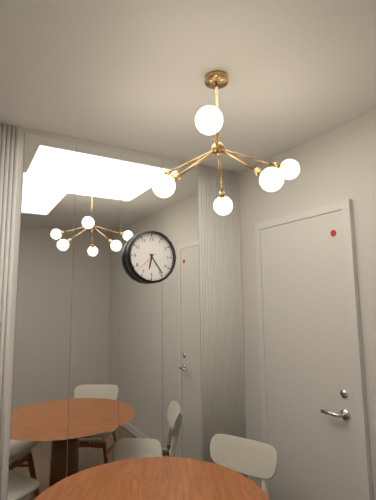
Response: 6:24
